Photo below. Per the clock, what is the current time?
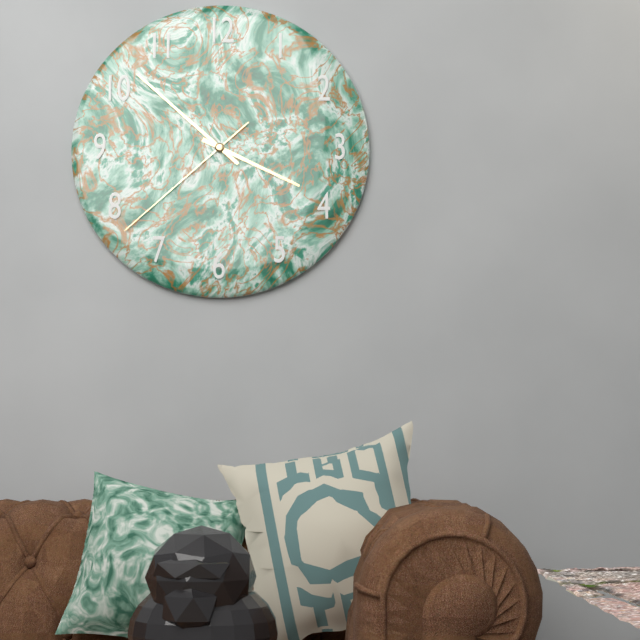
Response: 3:52:38
